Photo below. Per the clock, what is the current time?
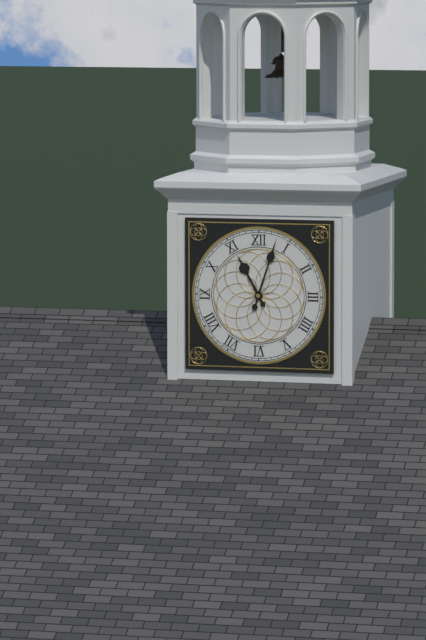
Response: 11:03
